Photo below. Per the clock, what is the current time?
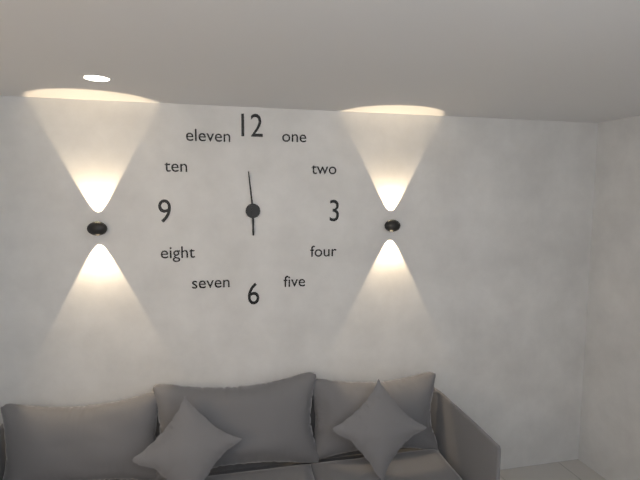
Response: 5:59
